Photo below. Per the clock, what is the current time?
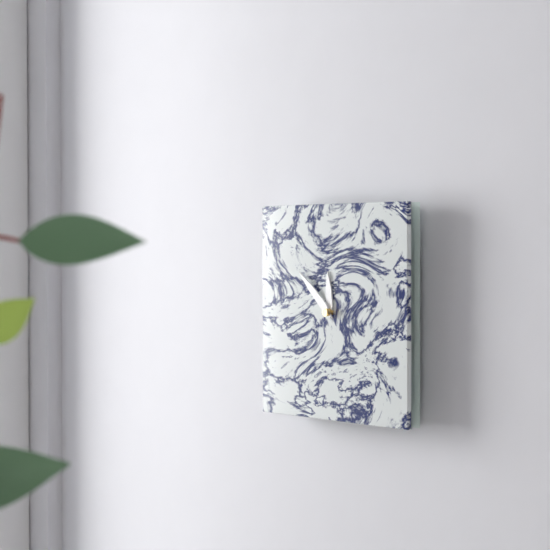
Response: 11:52
